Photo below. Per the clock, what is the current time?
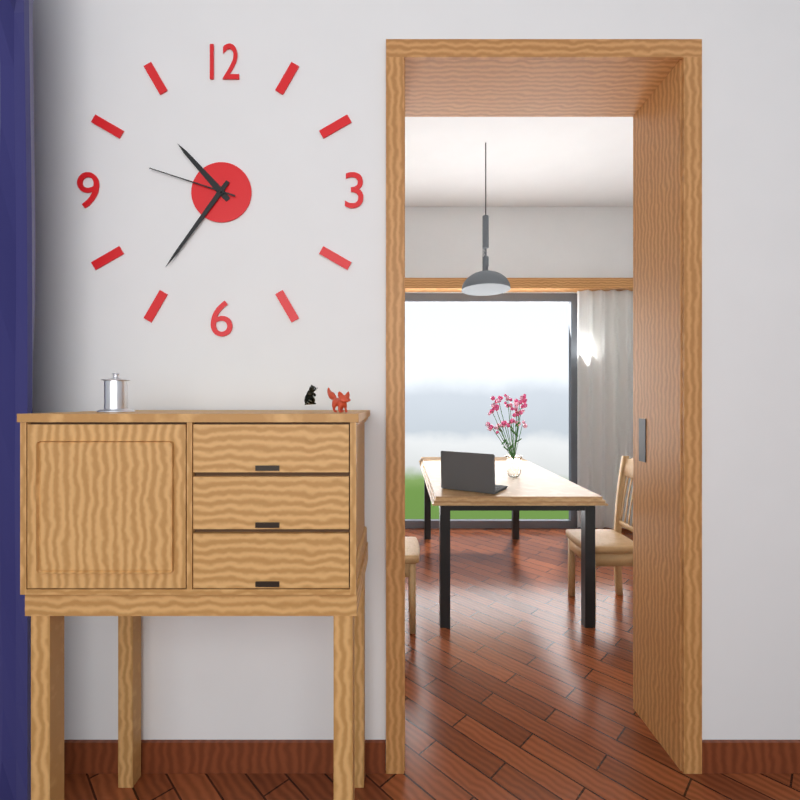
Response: 10:36:48
